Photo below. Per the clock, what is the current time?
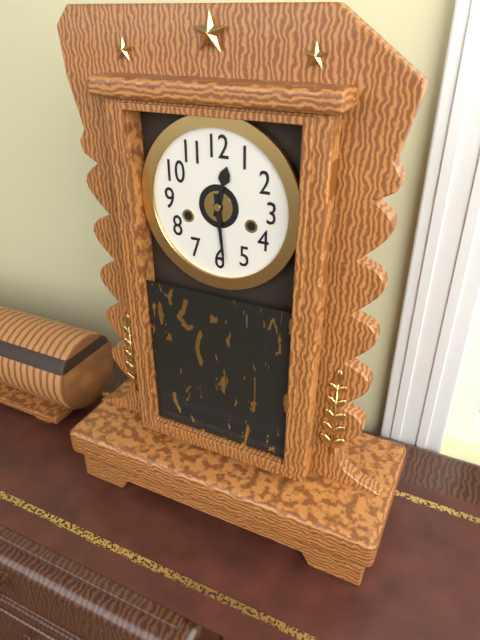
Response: 12:29
